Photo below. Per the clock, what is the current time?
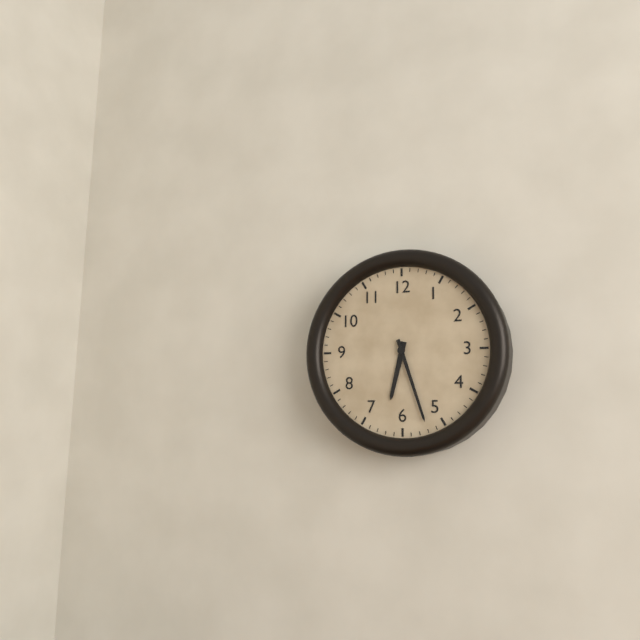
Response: 6:27
